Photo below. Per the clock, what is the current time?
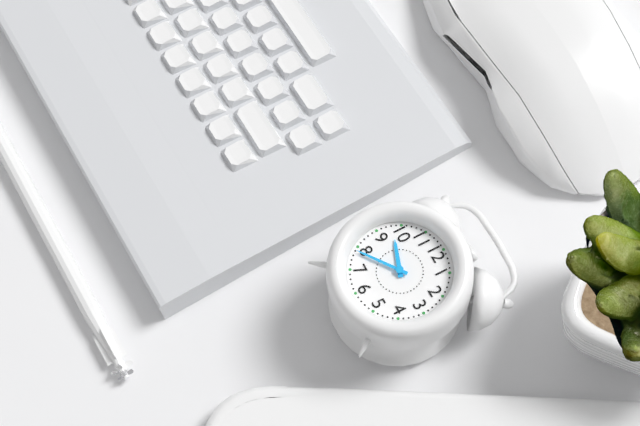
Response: 9:39
